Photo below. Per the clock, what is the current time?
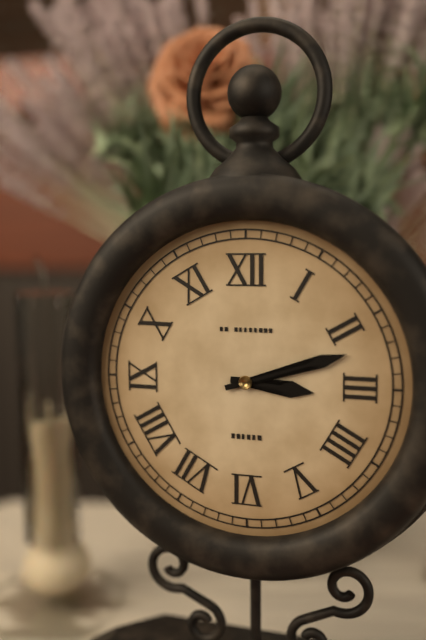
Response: 3:12
